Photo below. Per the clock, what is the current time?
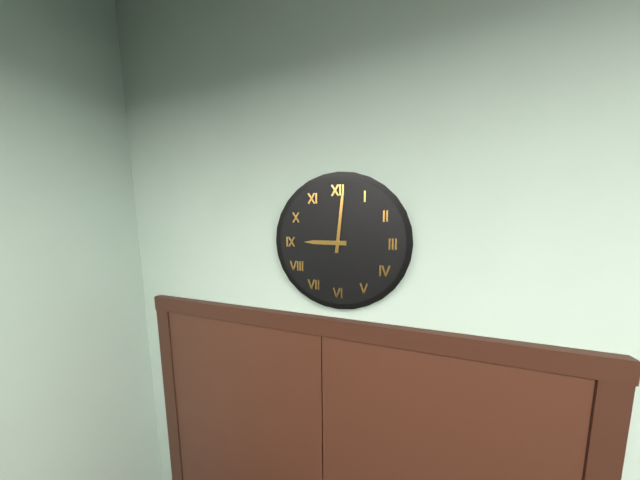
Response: 9:01
